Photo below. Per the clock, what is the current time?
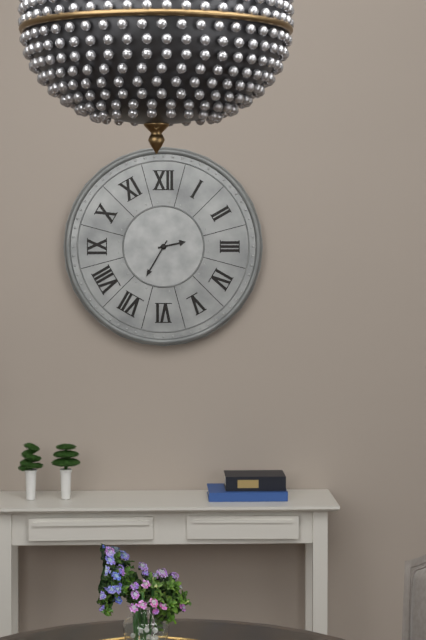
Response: 2:35
